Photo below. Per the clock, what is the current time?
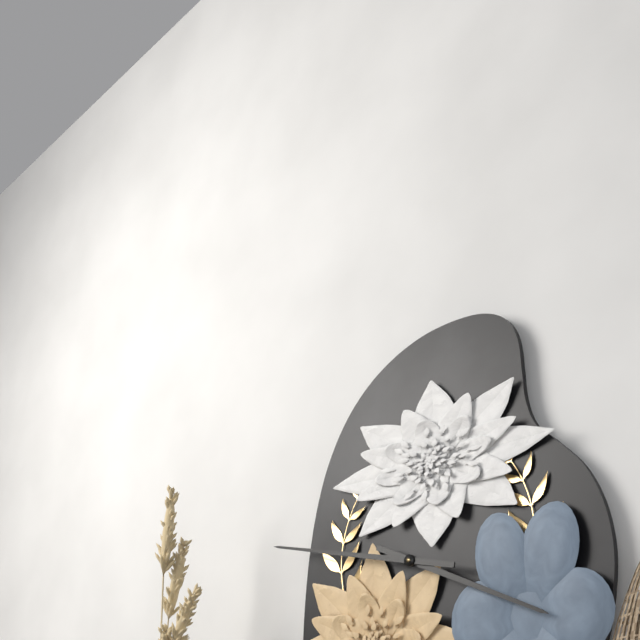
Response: 3:47
